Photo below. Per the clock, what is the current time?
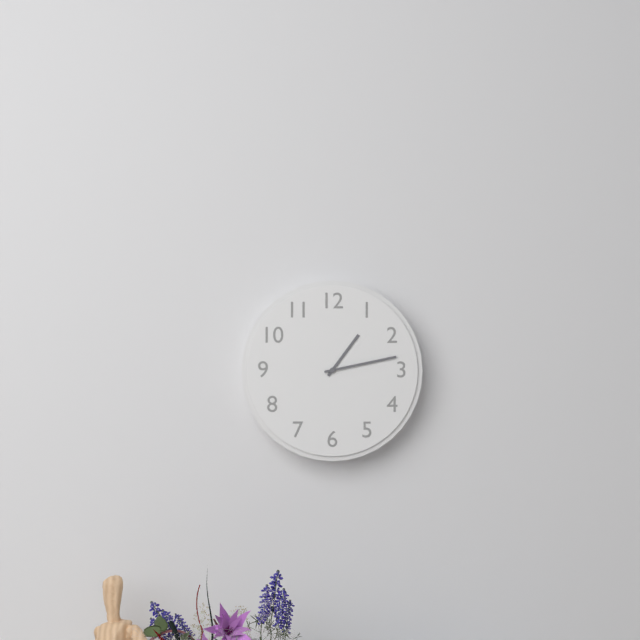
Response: 1:13
